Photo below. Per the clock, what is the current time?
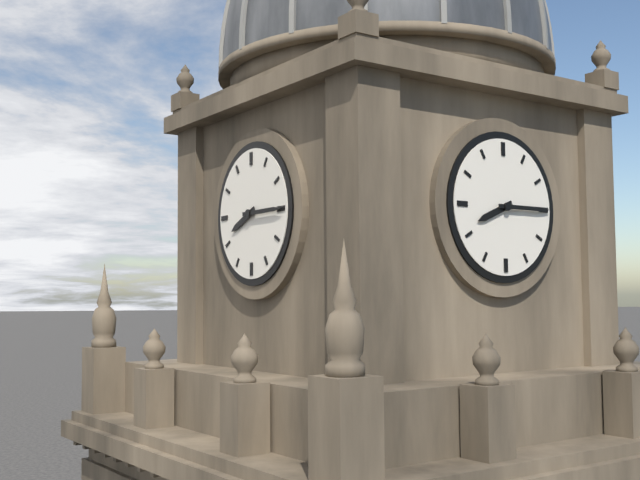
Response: 8:15
